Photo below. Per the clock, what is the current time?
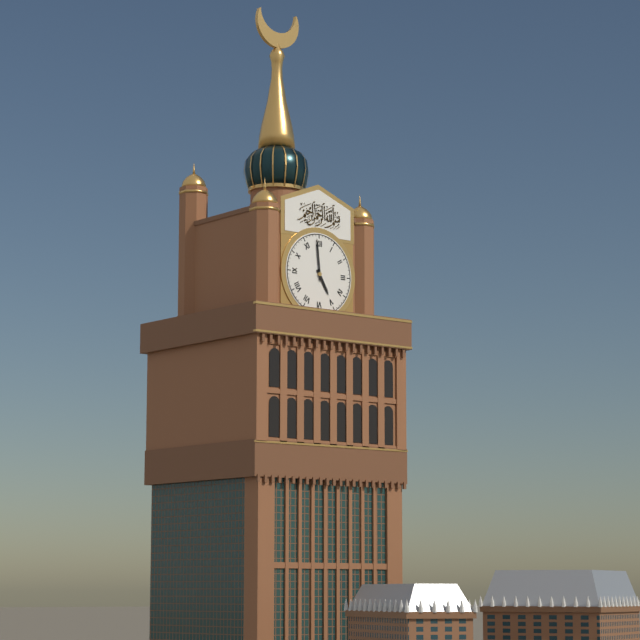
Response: 4:59
